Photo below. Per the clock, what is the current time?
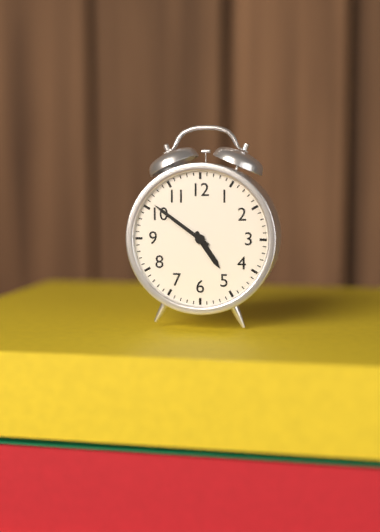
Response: 4:51
